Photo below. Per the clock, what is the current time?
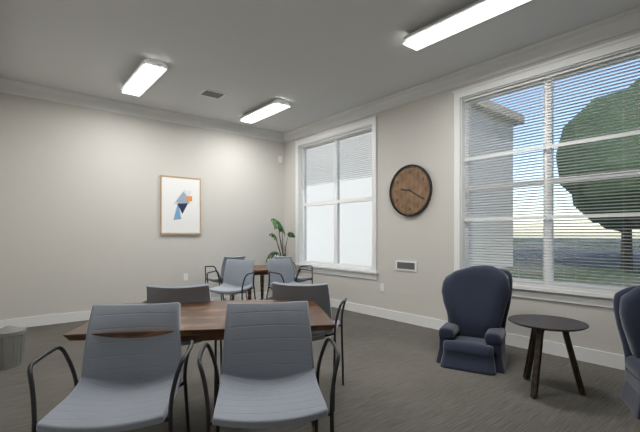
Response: 9:20
